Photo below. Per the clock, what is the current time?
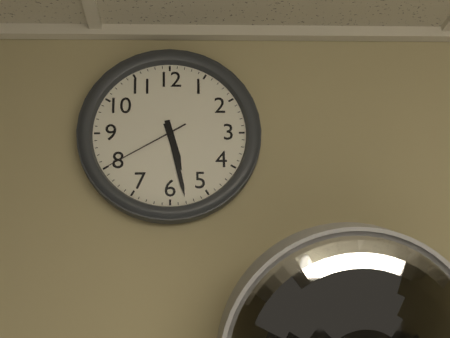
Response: 5:28:40
